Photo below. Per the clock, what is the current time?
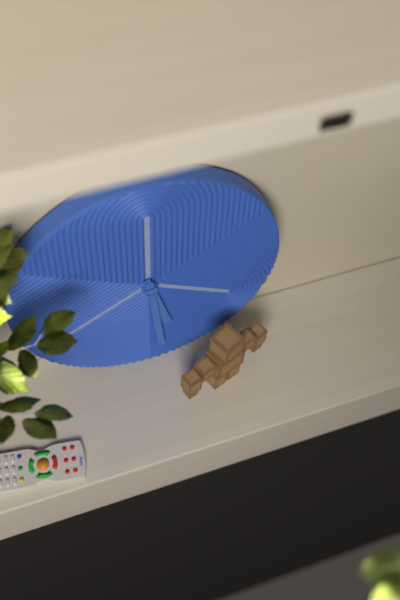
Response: 5:29
